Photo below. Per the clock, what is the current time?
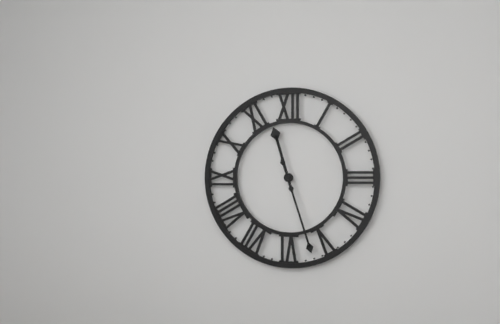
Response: 11:27
